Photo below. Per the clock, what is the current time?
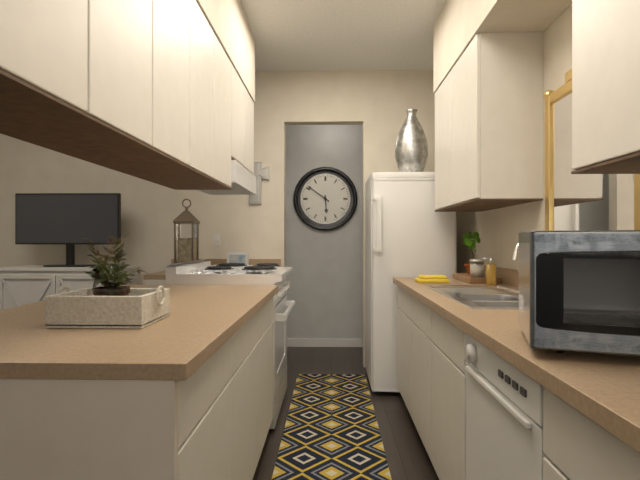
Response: 5:51
